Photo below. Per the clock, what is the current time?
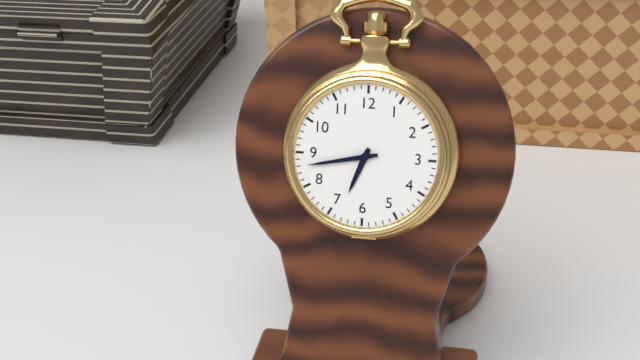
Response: 6:43
